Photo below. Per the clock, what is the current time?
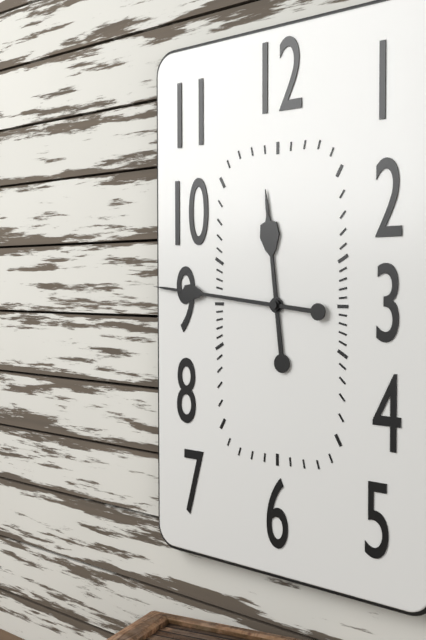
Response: 11:46
